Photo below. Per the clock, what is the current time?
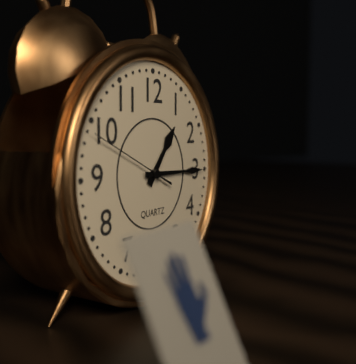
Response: 1:15:49
